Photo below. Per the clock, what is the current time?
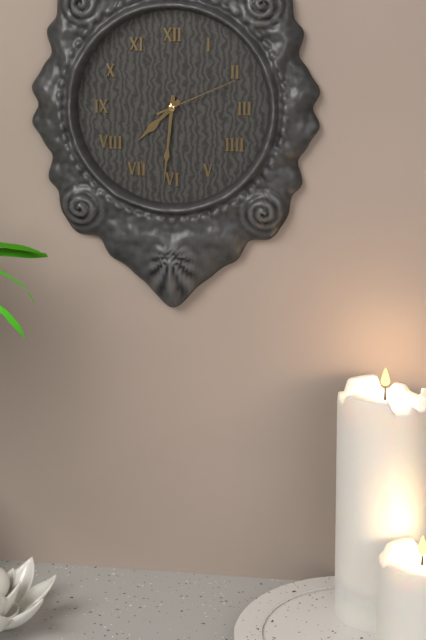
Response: 7:31:11
